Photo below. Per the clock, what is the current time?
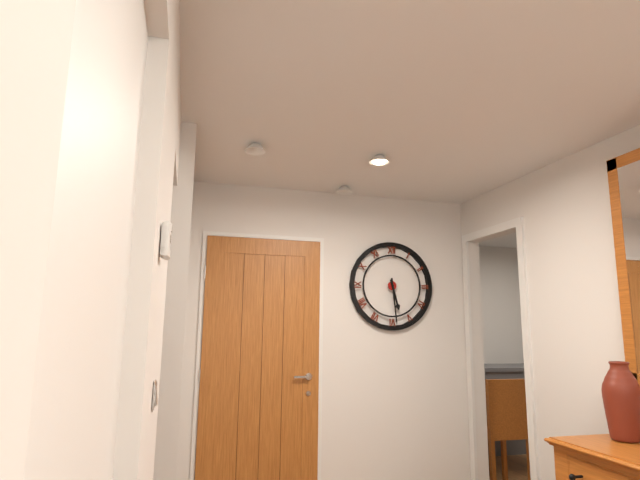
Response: 5:29
